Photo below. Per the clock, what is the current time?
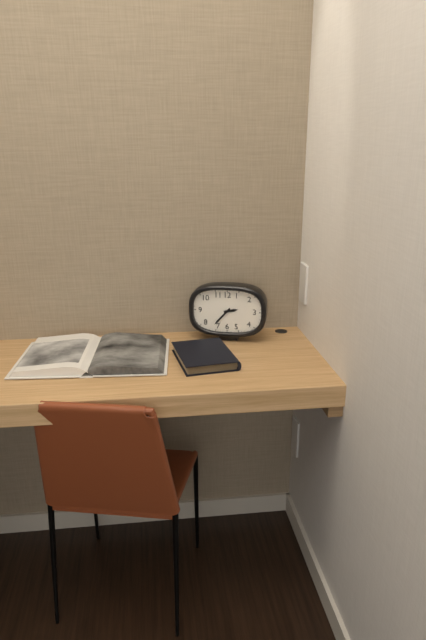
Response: 2:37
